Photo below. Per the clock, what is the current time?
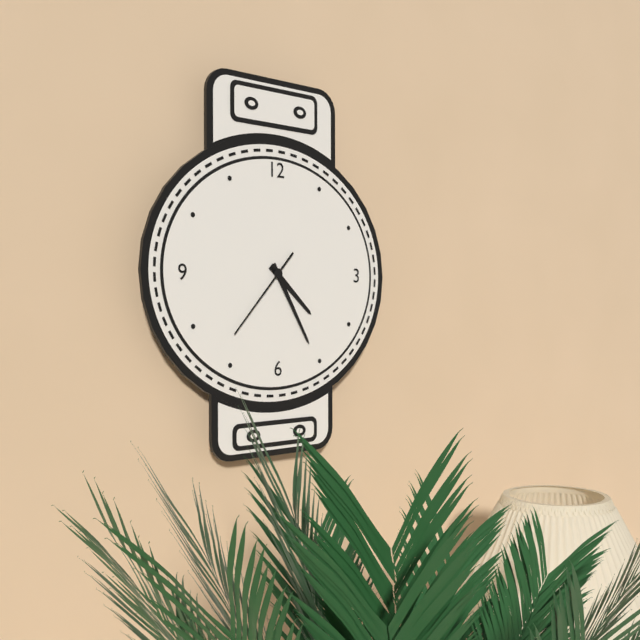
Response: 4:25:37
